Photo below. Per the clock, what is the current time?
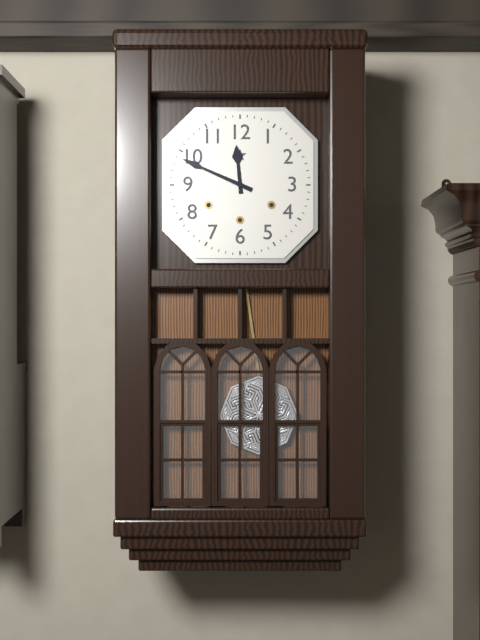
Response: 11:49
